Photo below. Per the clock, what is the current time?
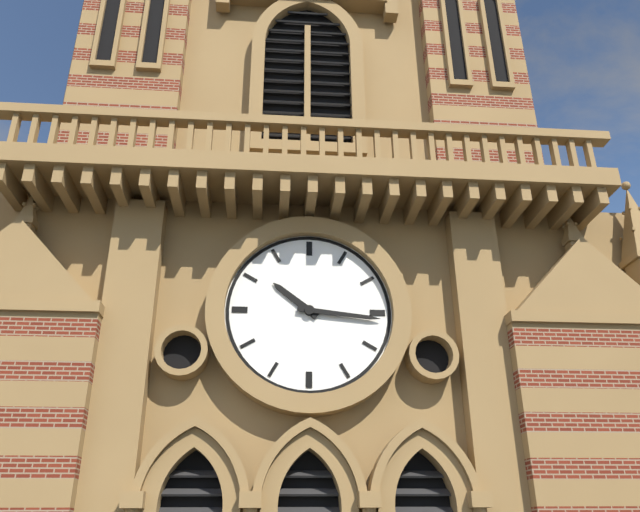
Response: 10:16
